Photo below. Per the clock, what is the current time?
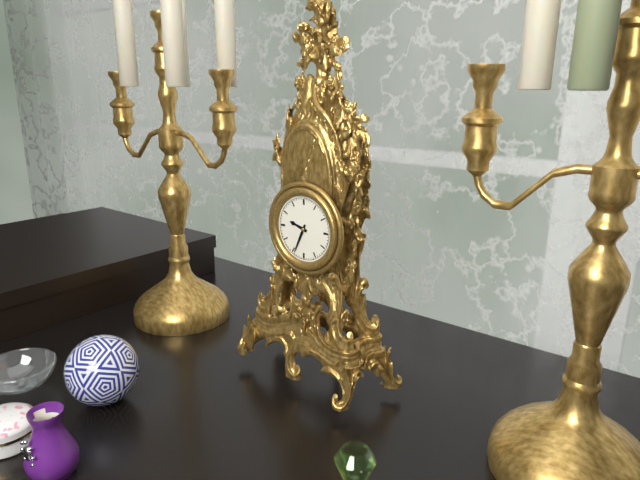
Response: 9:34
